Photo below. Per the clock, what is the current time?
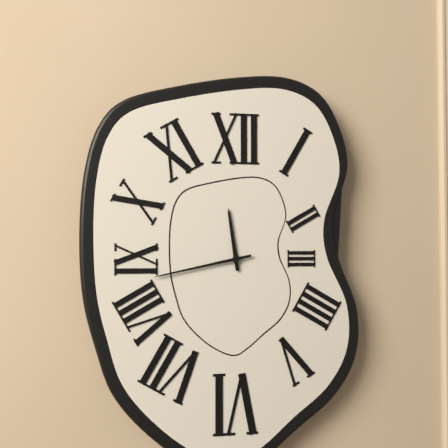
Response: 11:43
